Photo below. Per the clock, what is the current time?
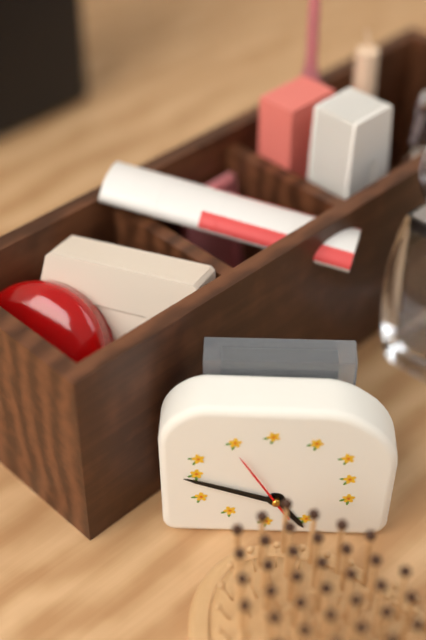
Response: 4:48:55
